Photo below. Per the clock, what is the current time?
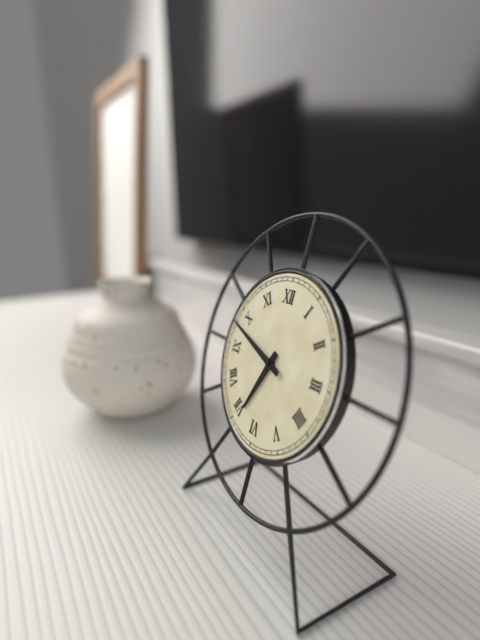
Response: 6:48
